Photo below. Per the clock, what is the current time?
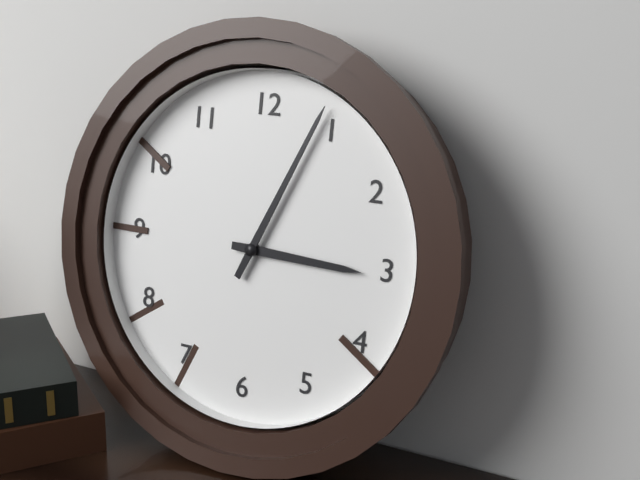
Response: 3:04
